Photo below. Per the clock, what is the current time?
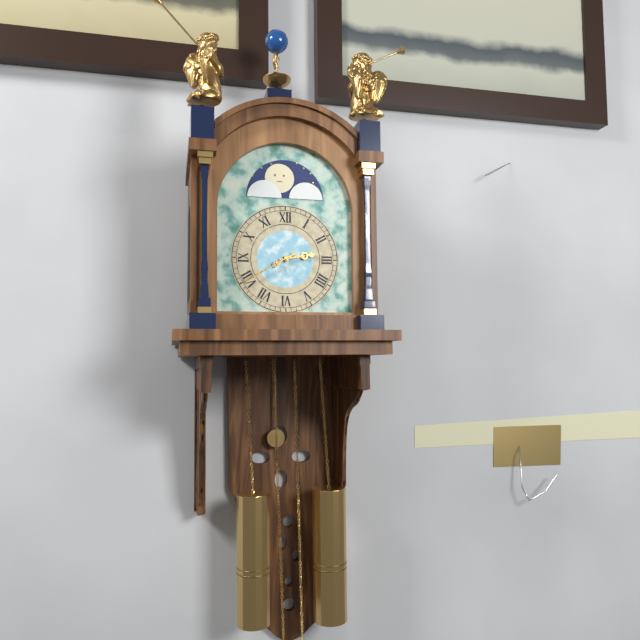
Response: 2:40
